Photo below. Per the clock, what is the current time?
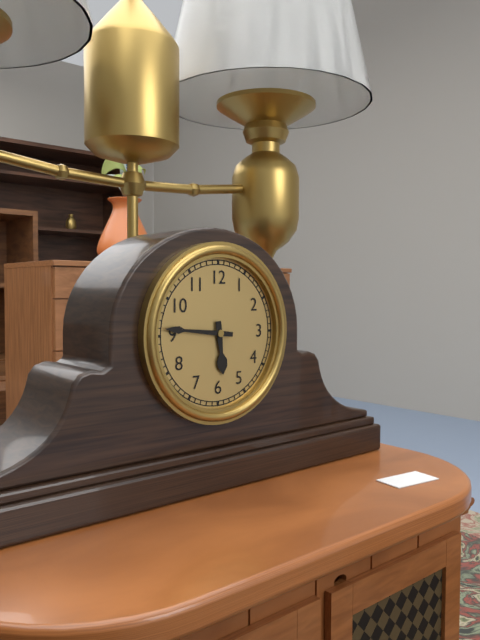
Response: 5:46
